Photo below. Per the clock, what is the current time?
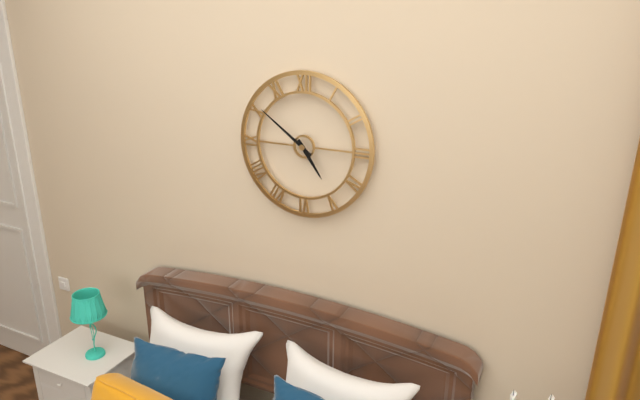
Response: 4:51
